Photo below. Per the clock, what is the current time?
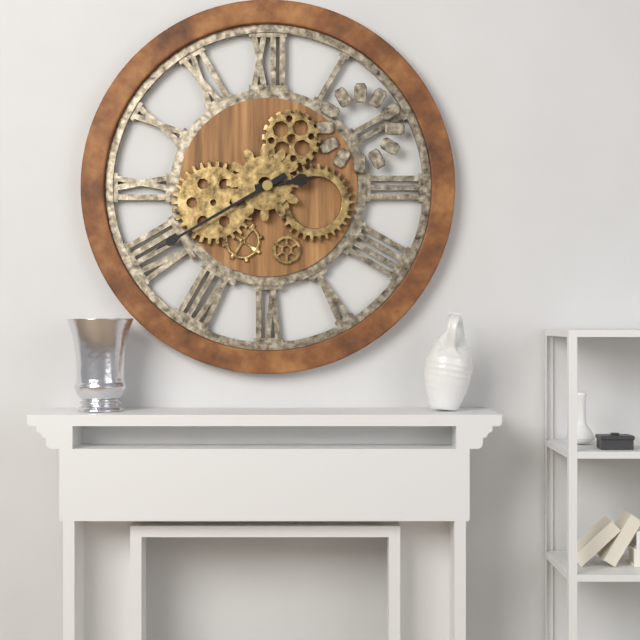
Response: 2:40
